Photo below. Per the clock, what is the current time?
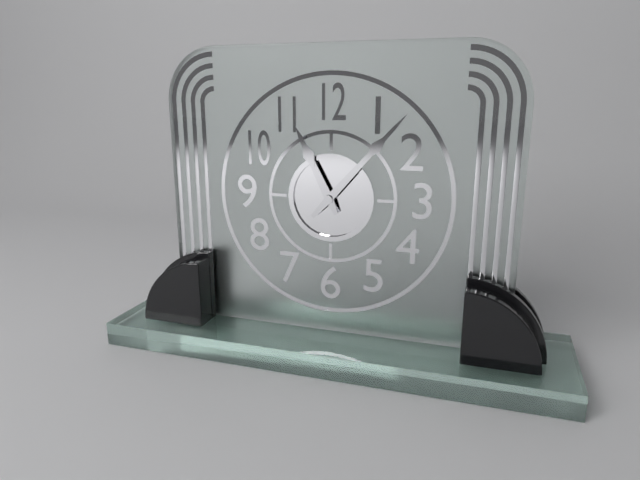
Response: 11:07
